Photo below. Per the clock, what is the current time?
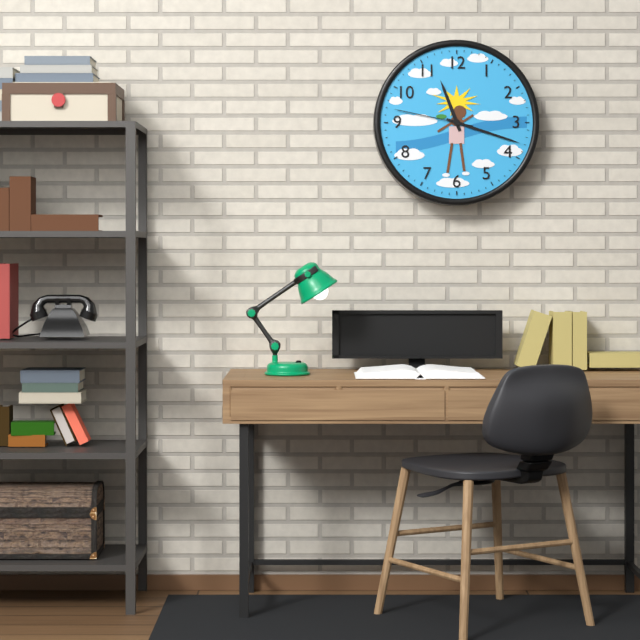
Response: 11:18:47
